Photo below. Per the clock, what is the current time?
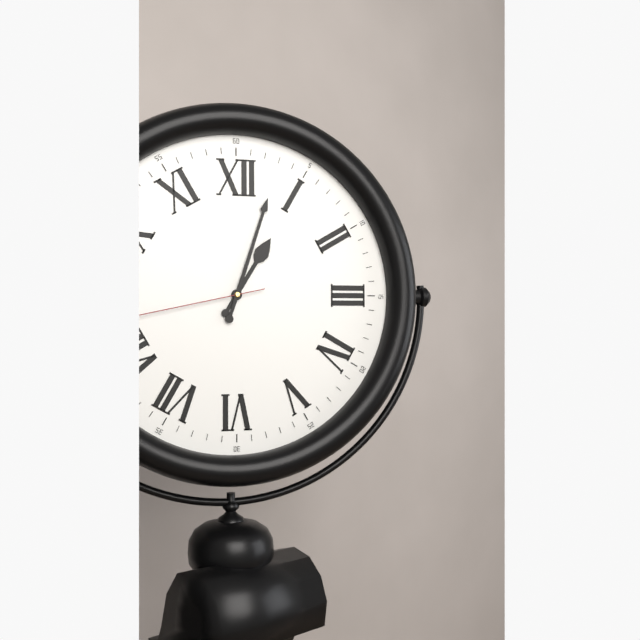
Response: 1:03:43
